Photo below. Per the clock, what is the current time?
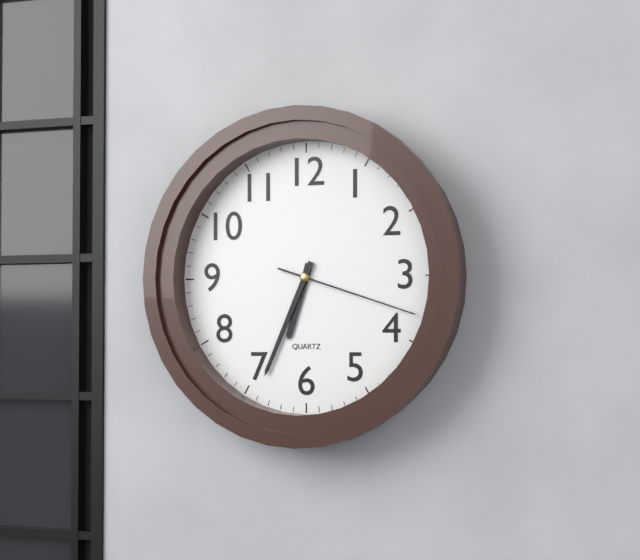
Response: 6:34:18
